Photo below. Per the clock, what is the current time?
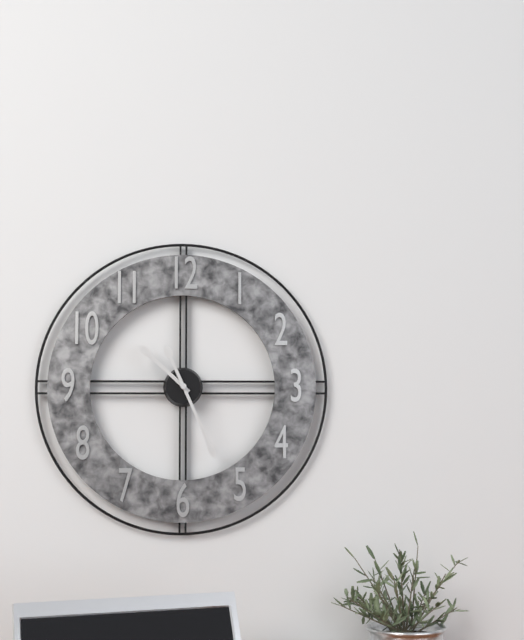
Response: 10:26
